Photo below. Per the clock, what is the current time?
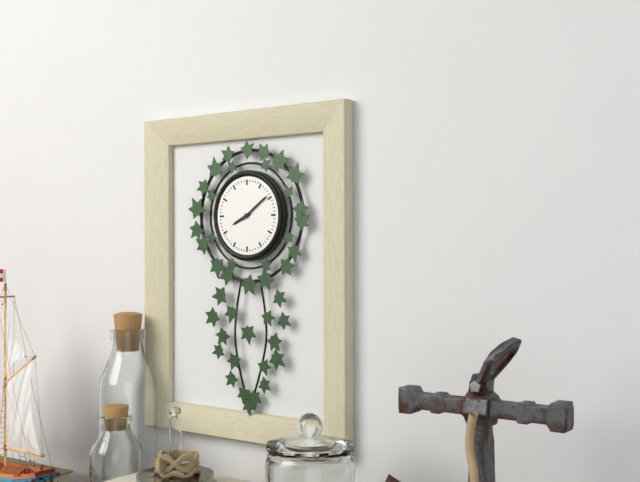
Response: 8:09
